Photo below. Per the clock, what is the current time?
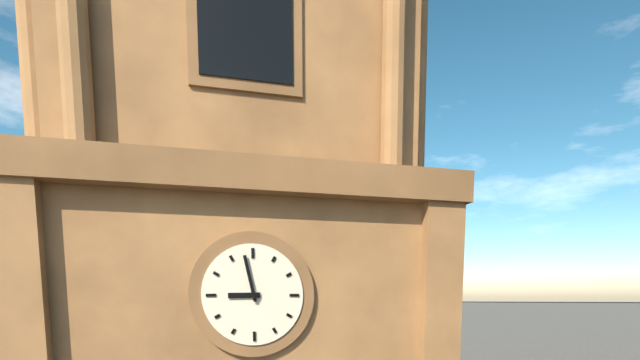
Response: 8:58
